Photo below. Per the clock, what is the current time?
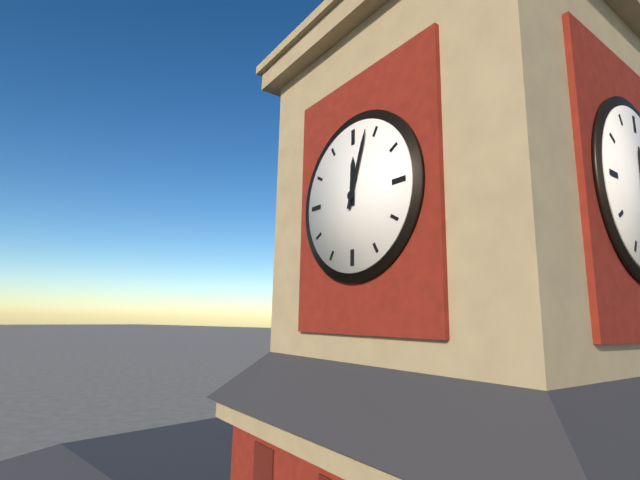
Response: 12:03
